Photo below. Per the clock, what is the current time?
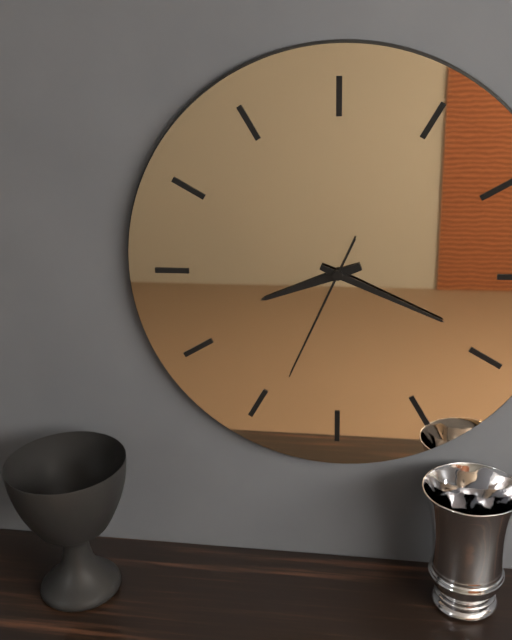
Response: 8:19:34
